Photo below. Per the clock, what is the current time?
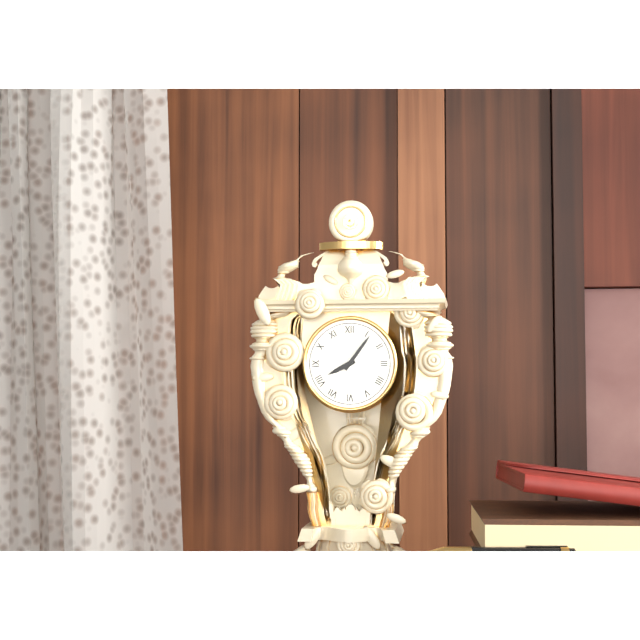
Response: 8:06
